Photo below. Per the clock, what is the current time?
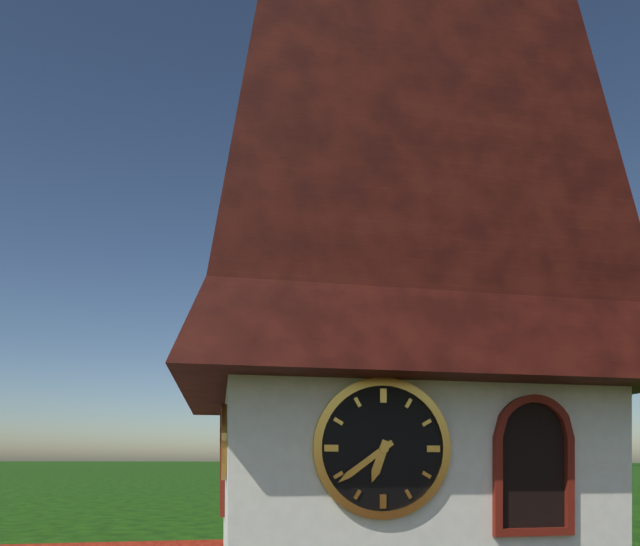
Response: 6:39
